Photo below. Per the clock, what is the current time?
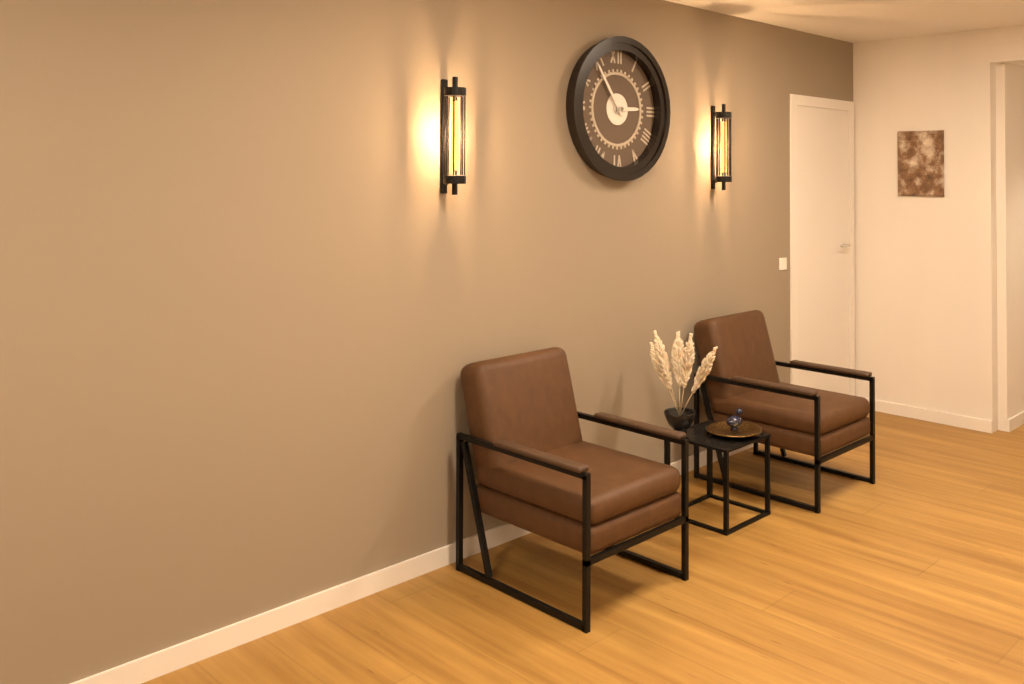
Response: 2:54
